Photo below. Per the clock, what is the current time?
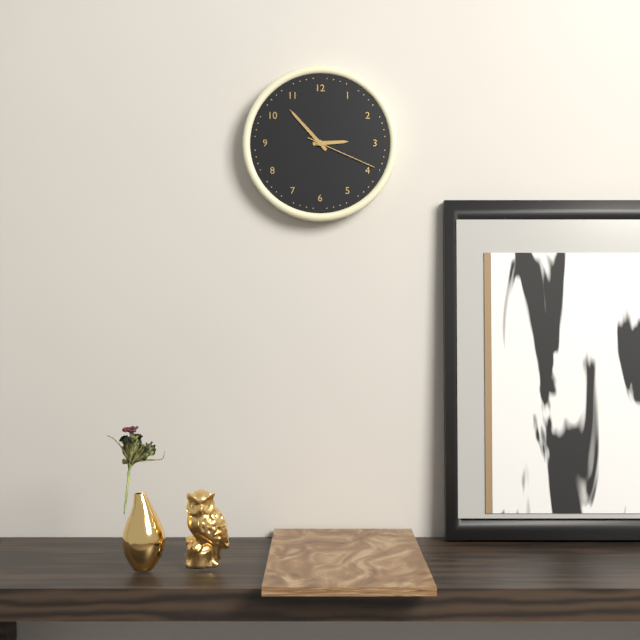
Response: 2:53:19
